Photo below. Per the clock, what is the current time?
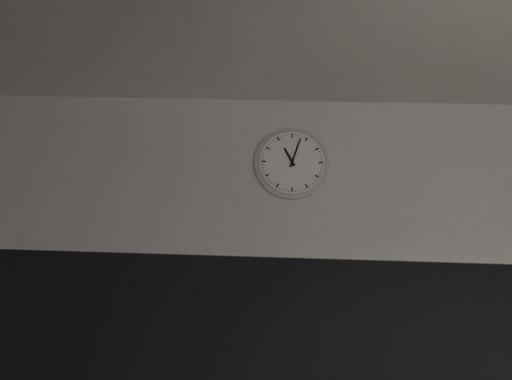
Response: 11:03
